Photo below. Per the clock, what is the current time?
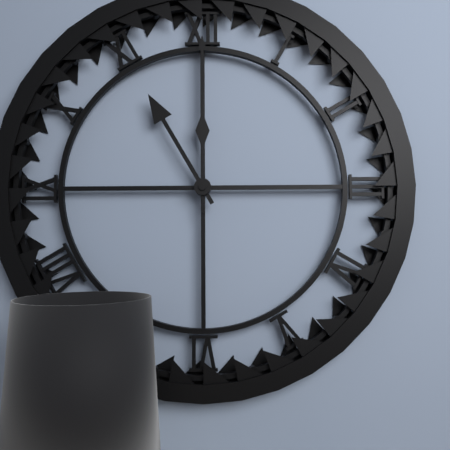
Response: 11:00
